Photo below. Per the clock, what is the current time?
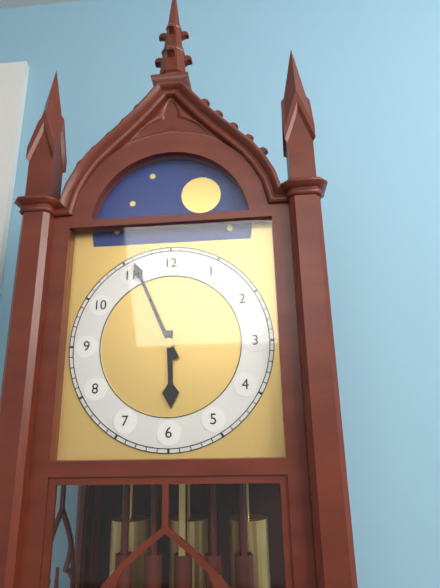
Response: 5:56
